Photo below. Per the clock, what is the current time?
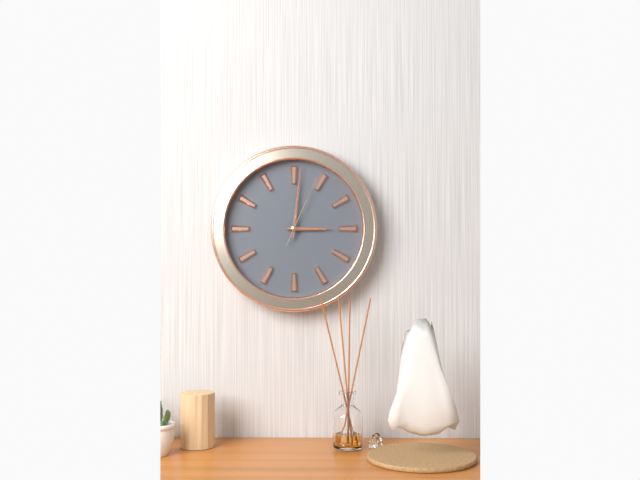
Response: 3:01:04
